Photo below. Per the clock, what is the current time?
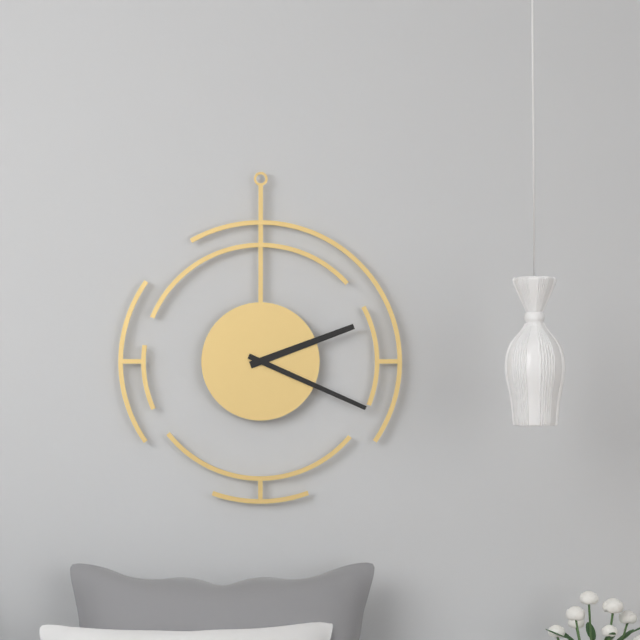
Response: 2:19
